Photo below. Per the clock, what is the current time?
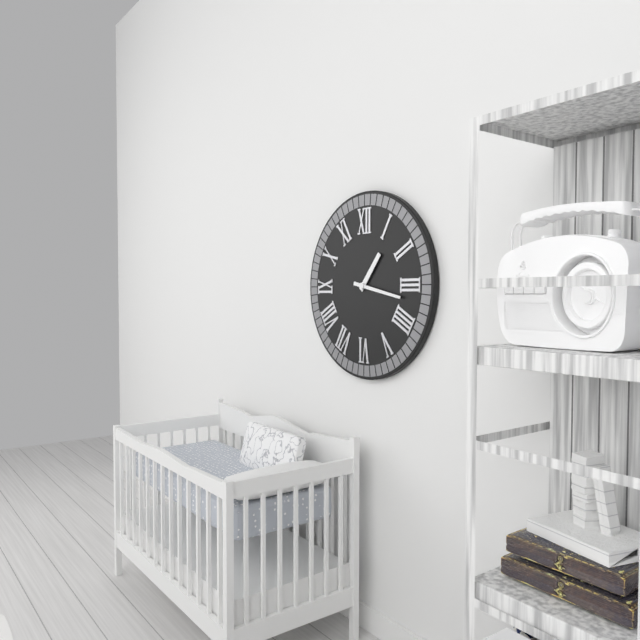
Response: 1:17
